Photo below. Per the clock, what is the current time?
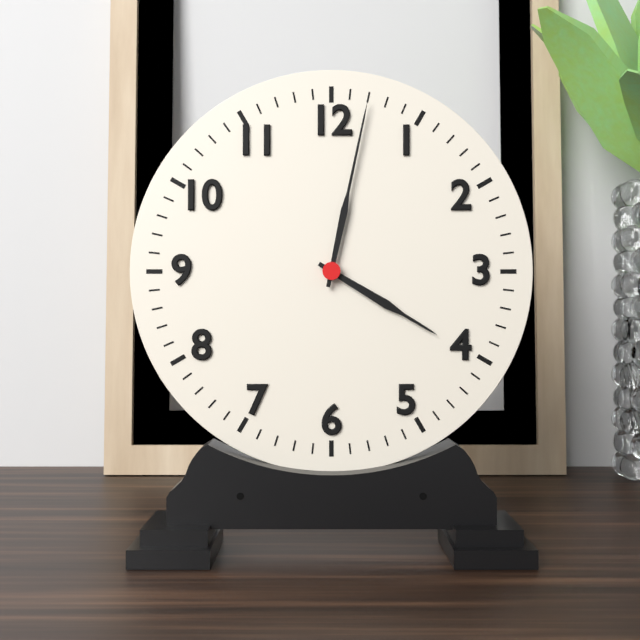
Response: 4:02
